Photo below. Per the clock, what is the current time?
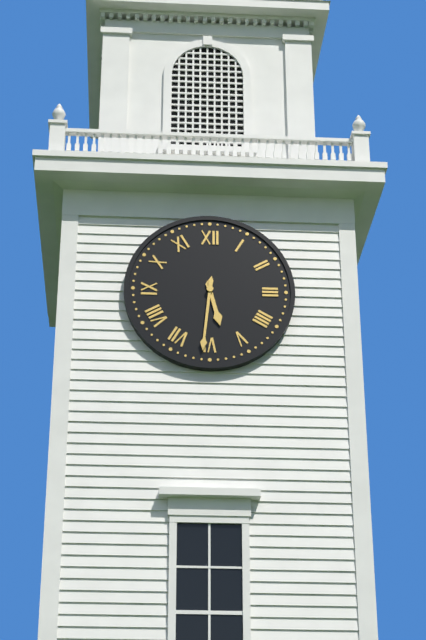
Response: 5:31
